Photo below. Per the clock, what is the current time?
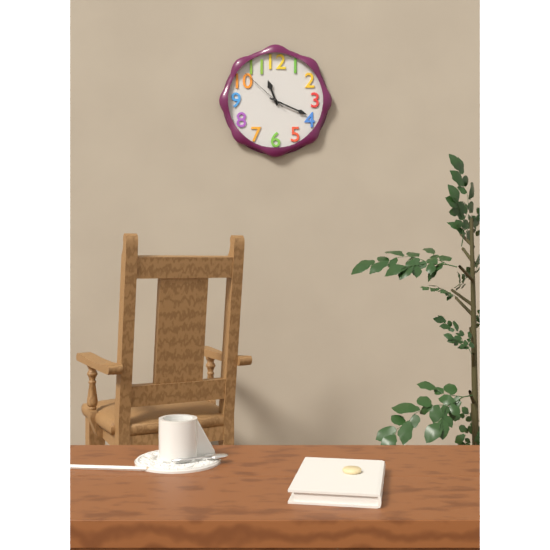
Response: 11:19:52
